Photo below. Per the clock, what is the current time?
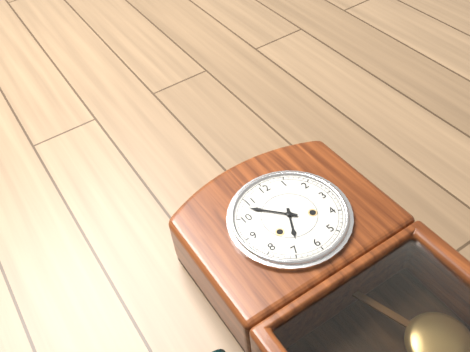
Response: 6:53
